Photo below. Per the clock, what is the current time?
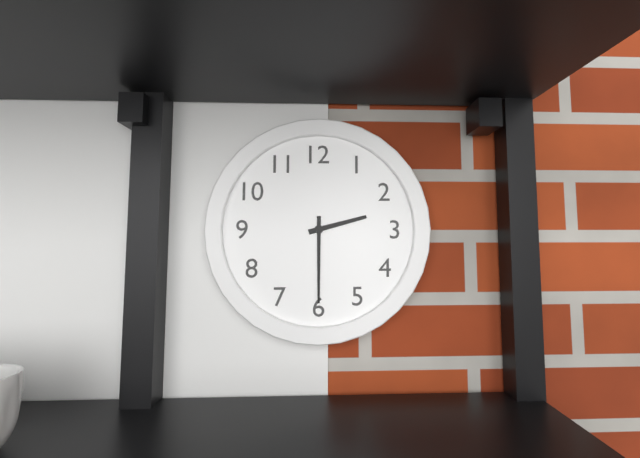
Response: 2:30
